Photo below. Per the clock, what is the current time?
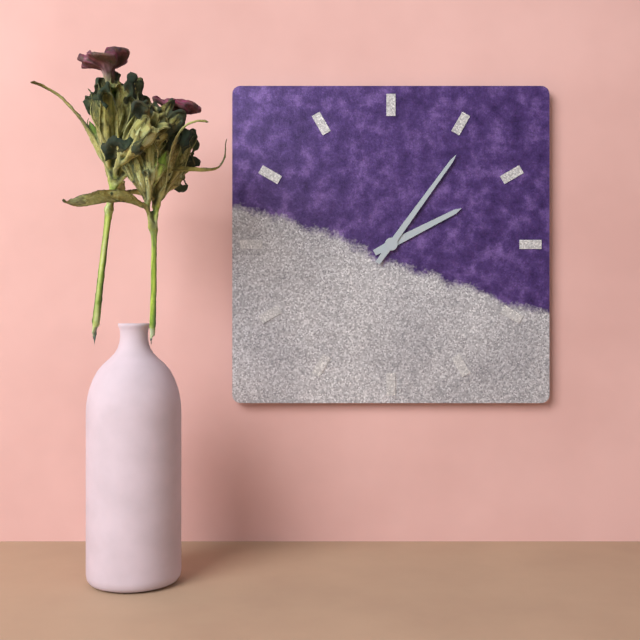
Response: 2:06
